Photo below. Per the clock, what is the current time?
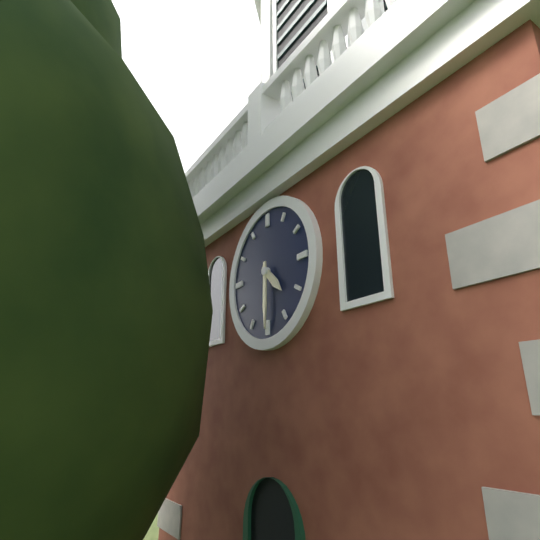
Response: 4:30
